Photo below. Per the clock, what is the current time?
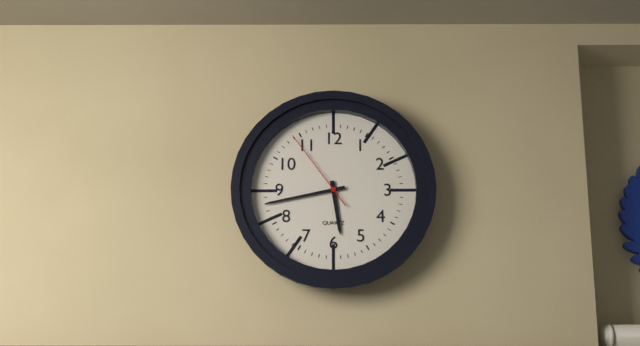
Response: 5:43:54
